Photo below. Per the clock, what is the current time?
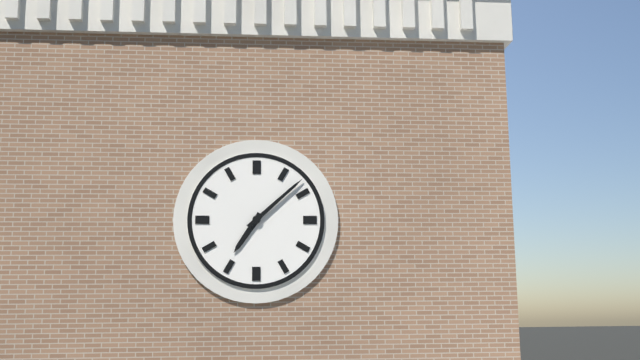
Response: 7:08
